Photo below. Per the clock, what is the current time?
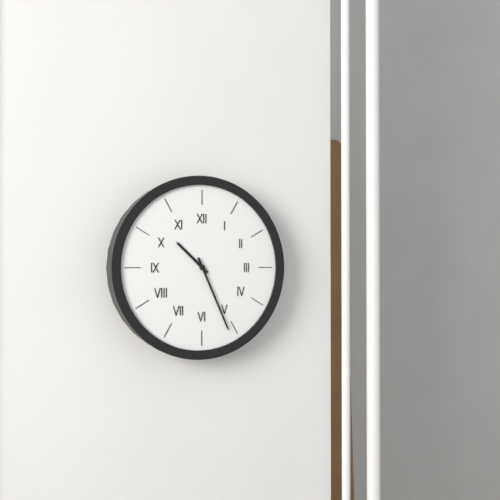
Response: 10:26
